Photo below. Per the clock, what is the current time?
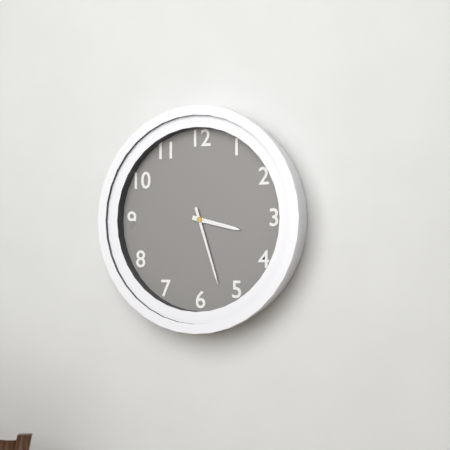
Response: 3:27
